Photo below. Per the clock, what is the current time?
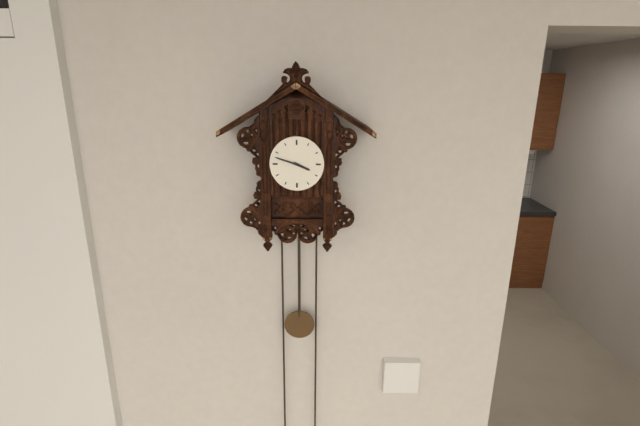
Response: 3:48
